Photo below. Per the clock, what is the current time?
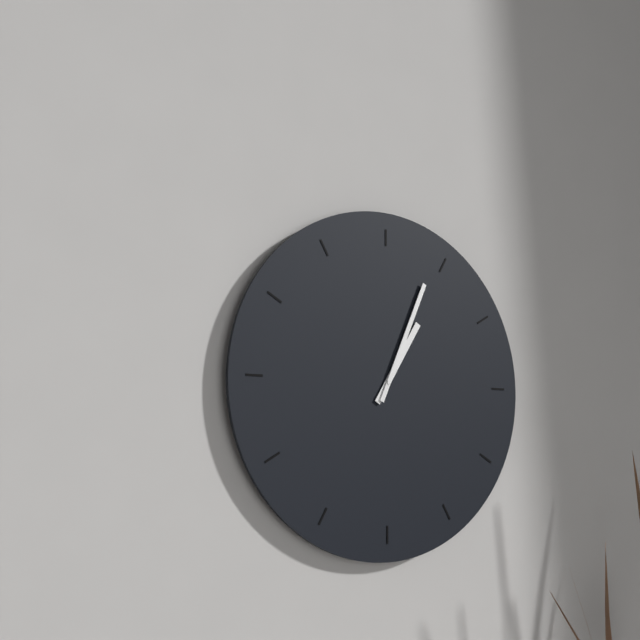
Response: 1:04
